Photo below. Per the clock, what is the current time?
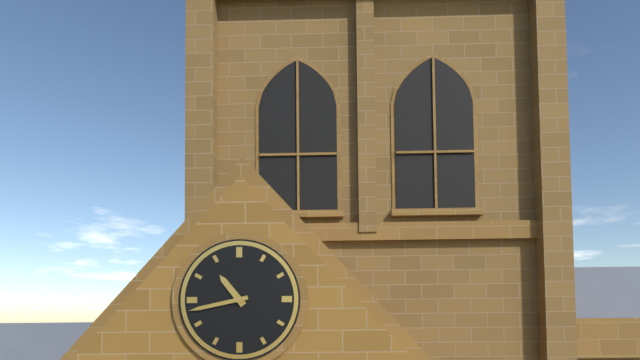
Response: 10:43
